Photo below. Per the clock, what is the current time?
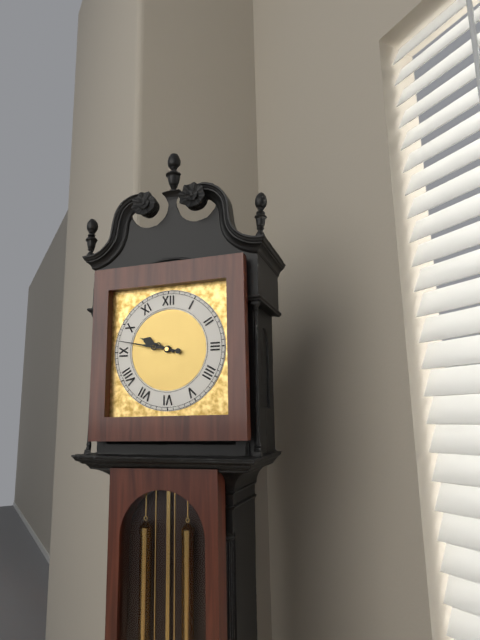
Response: 9:47
